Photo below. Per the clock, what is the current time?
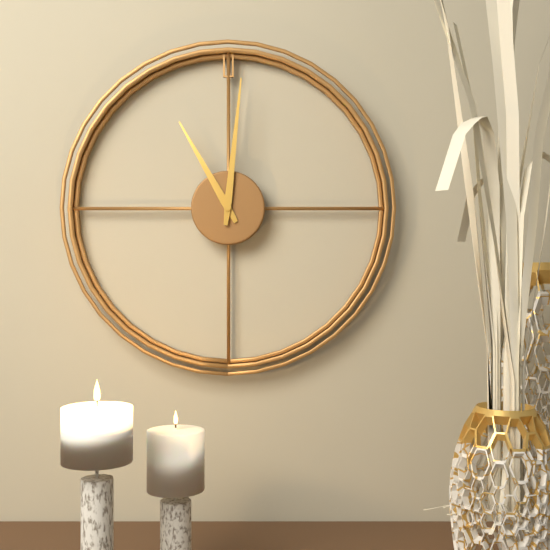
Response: 11:01
